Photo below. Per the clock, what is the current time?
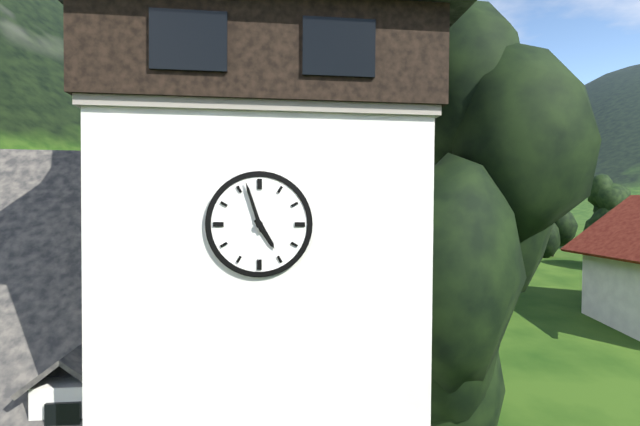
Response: 4:57
